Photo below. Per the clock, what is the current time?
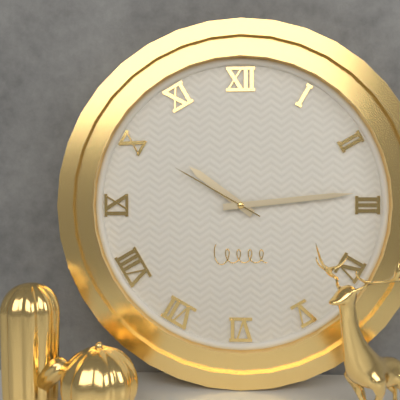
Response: 10:14:50
